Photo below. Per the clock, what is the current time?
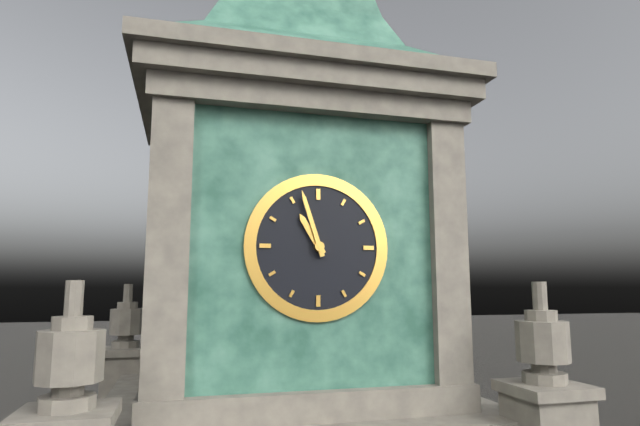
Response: 10:57
